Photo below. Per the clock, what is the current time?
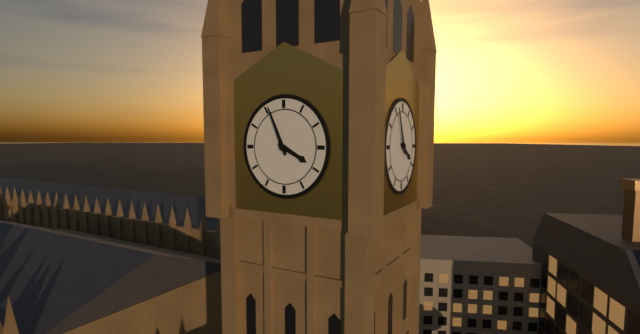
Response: 3:56
